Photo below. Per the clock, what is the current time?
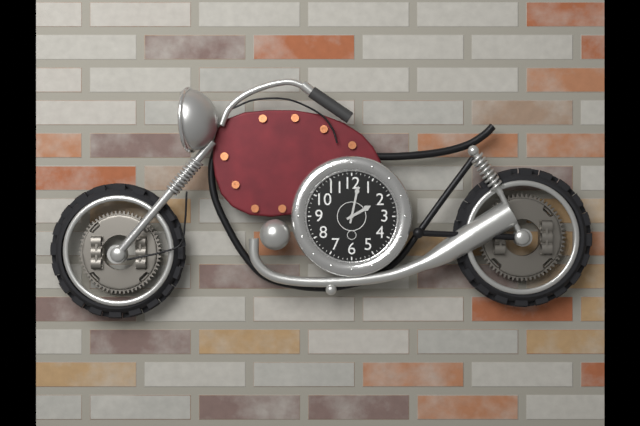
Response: 2:02
